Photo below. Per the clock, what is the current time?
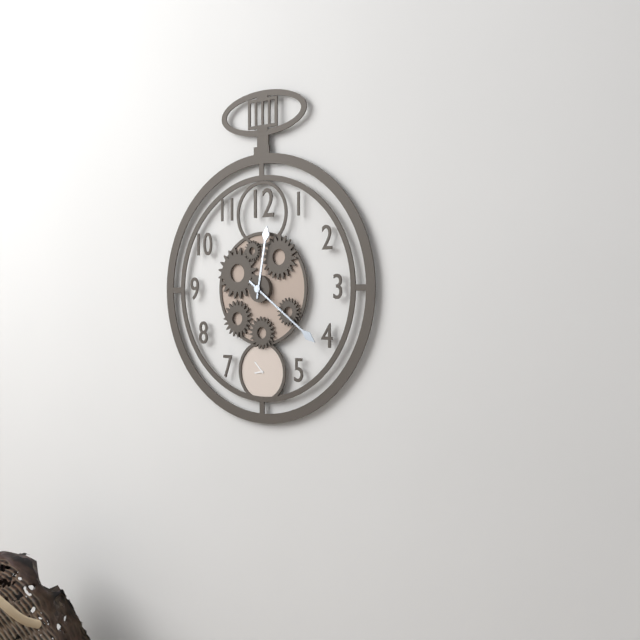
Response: 12:21
